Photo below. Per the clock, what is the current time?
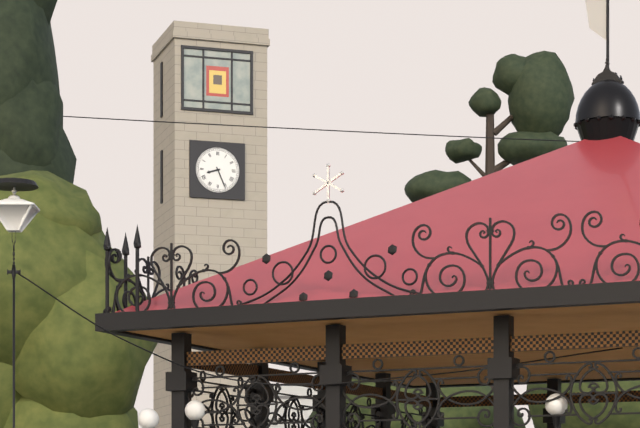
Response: 8:26
